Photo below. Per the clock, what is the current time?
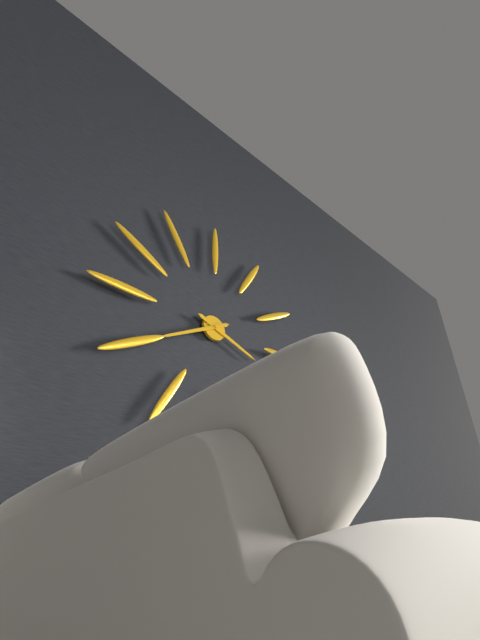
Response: 3:40
